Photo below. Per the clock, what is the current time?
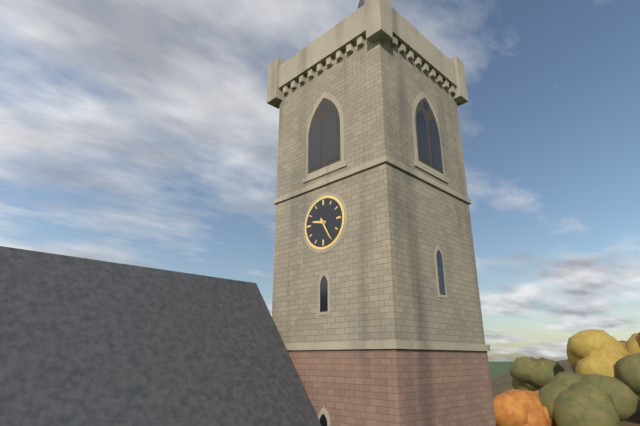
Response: 9:25
